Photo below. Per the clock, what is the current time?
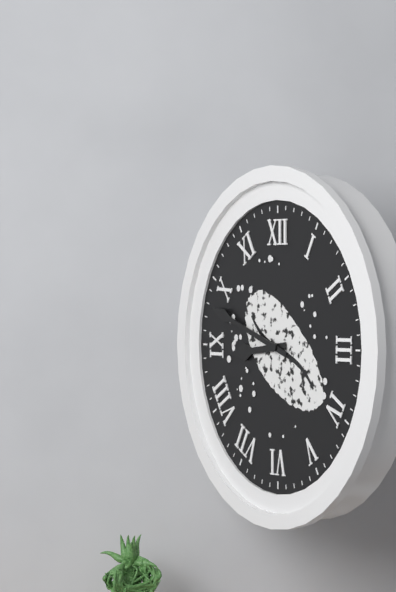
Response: 8:48
